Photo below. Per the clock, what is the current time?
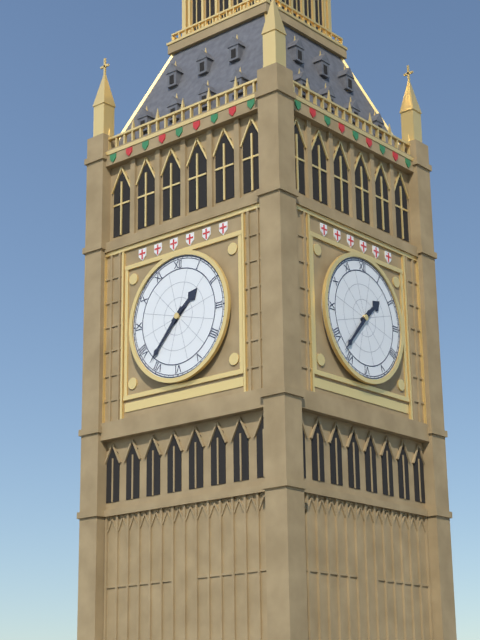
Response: 1:37
